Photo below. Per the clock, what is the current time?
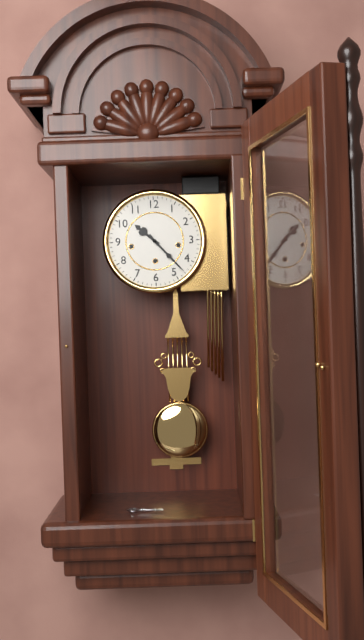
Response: 10:23
